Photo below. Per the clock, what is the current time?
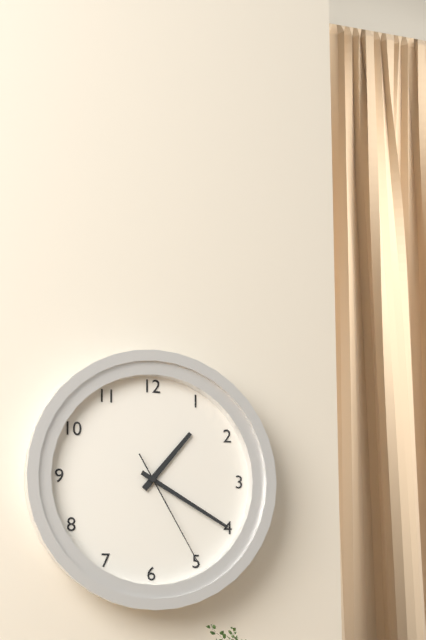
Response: 1:20:25
